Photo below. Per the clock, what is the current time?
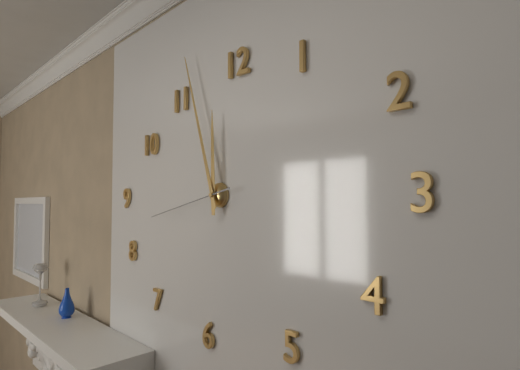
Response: 11:57:43
